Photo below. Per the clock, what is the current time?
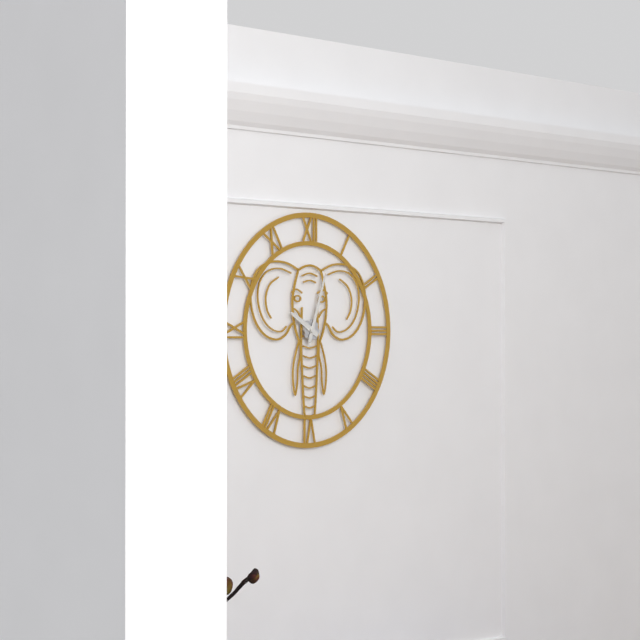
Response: 10:03
